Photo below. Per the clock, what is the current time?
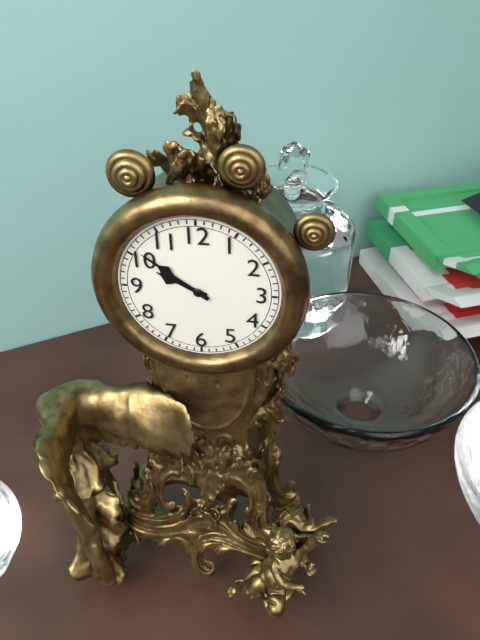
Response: 9:51
